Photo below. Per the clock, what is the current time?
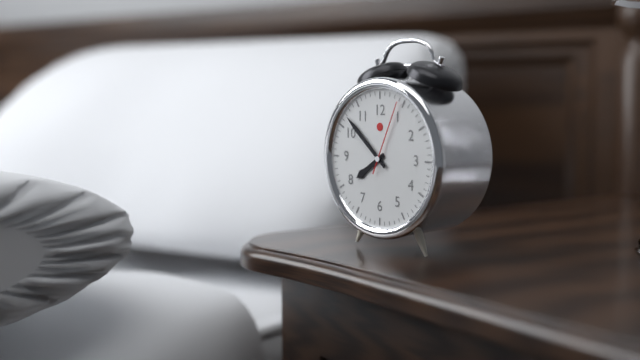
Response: 7:52:04
